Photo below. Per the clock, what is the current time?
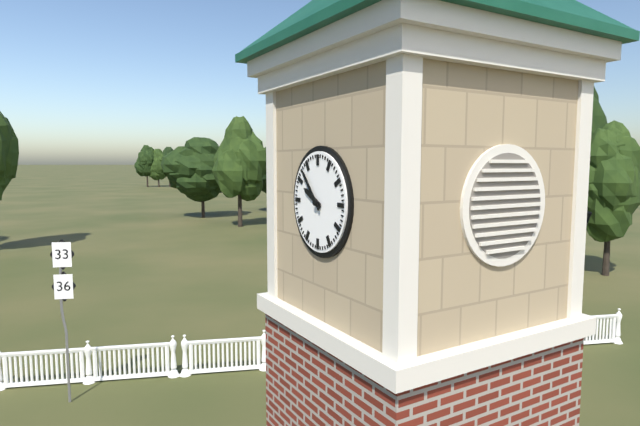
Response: 9:53
